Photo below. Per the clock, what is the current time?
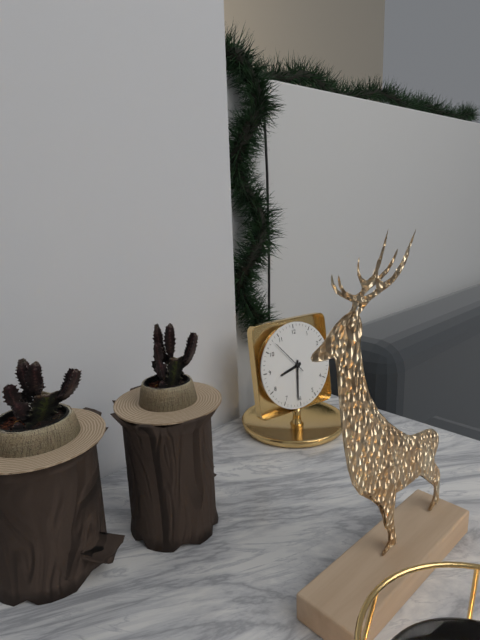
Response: 8:31
